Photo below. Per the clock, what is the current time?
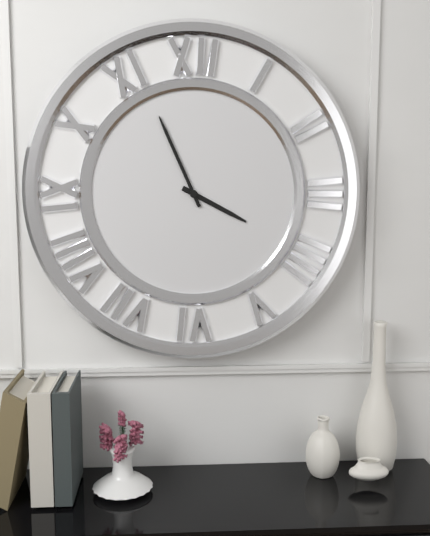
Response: 3:56
